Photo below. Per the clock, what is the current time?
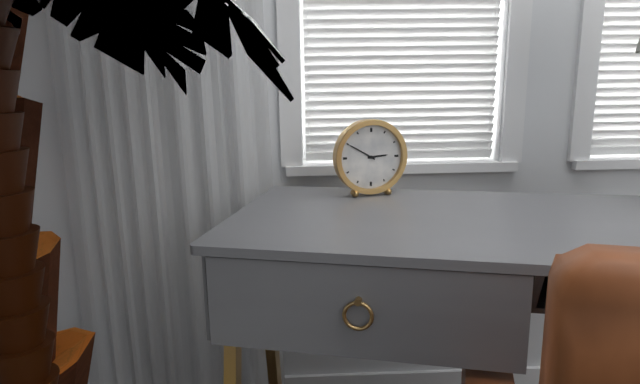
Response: 2:50
